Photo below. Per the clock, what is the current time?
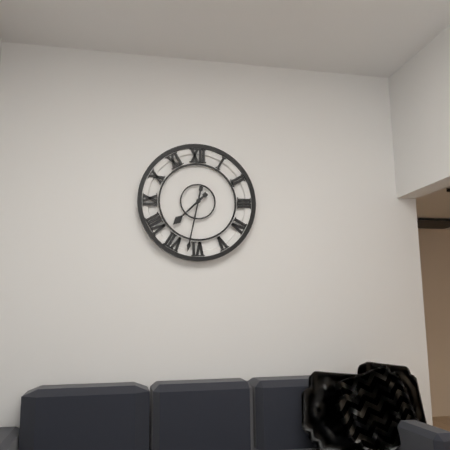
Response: 7:32
